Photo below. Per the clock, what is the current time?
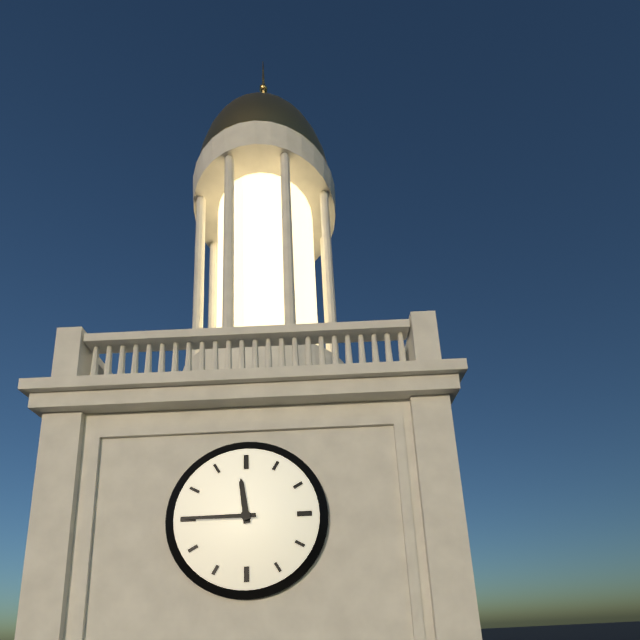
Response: 11:45
